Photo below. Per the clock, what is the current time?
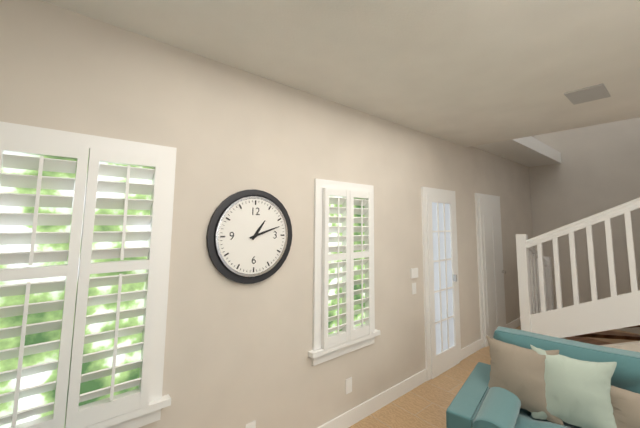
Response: 1:12
